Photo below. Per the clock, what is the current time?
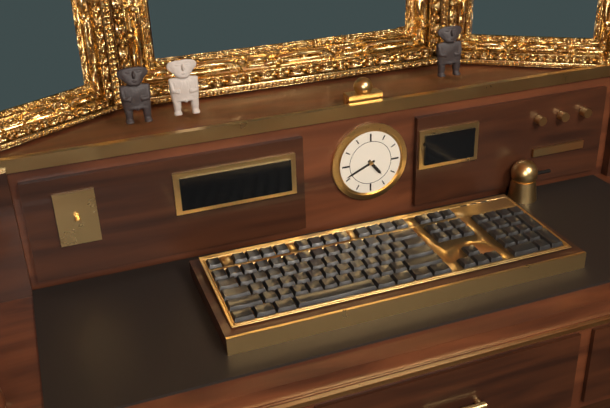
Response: 4:41
